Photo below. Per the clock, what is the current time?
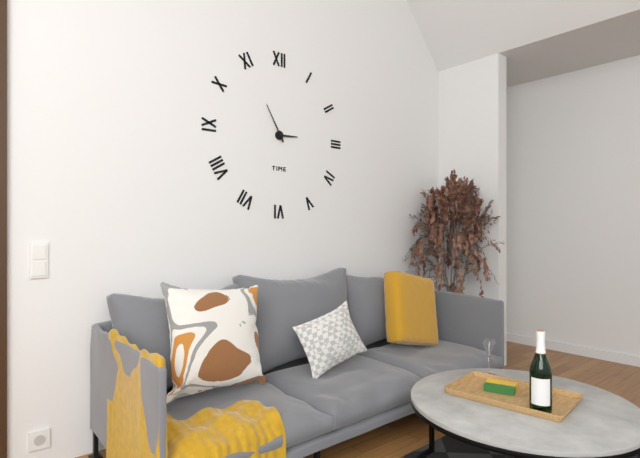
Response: 2:55
